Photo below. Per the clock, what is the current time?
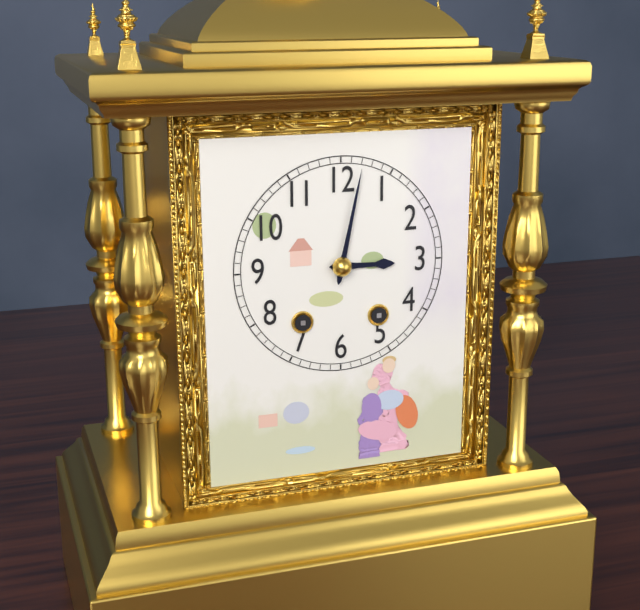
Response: 3:02
